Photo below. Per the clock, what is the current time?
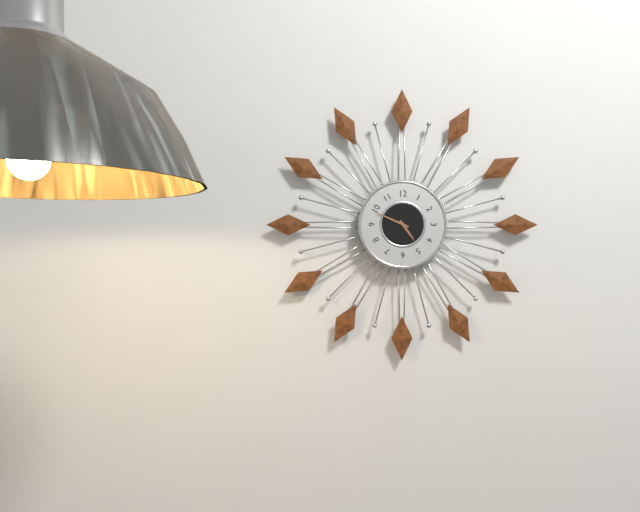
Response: 4:49
